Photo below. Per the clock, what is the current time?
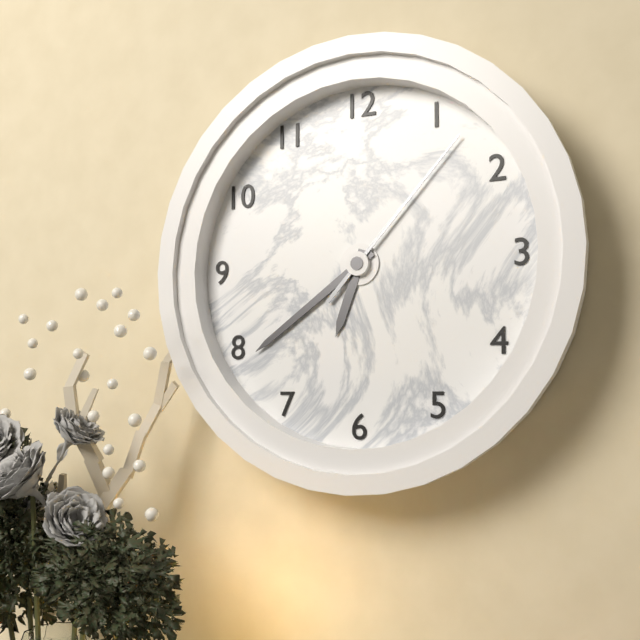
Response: 6:39:07
